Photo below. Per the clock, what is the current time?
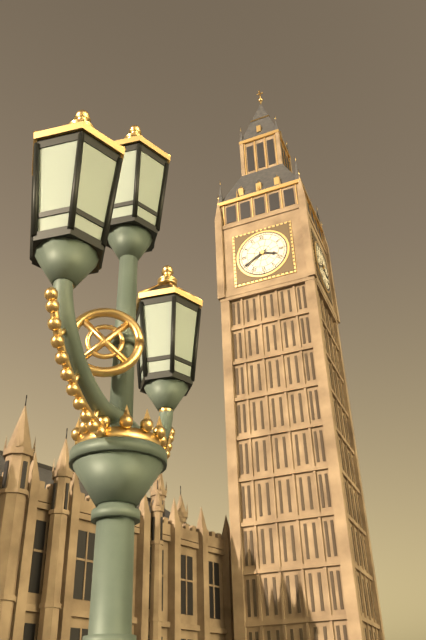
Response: 3:40
